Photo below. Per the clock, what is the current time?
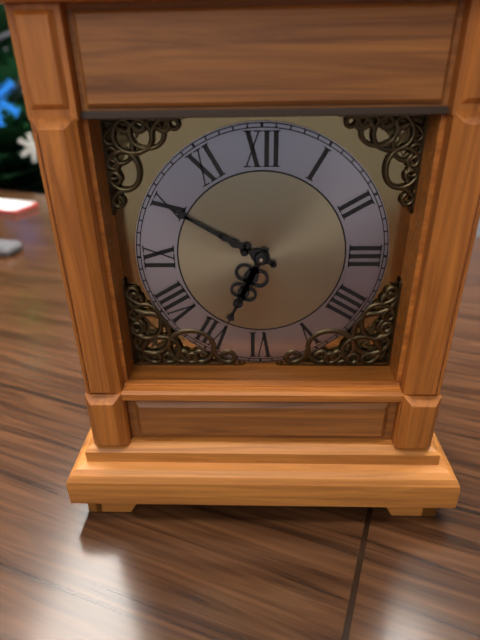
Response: 6:50
